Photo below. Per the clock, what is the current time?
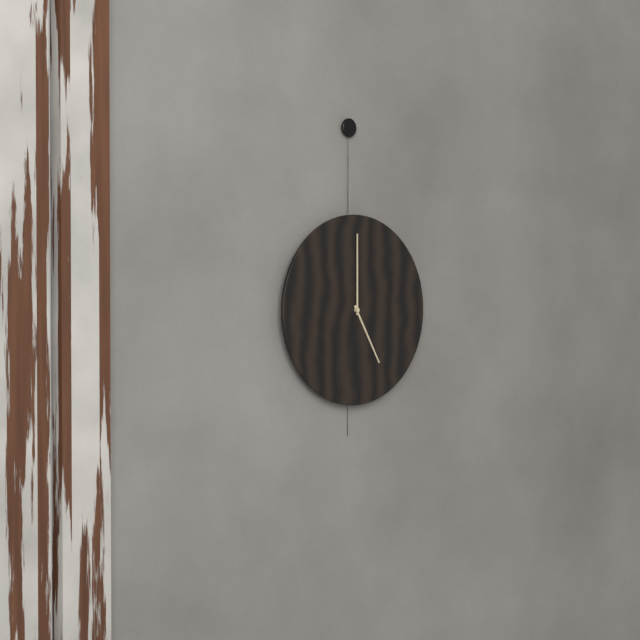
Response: 5:00
